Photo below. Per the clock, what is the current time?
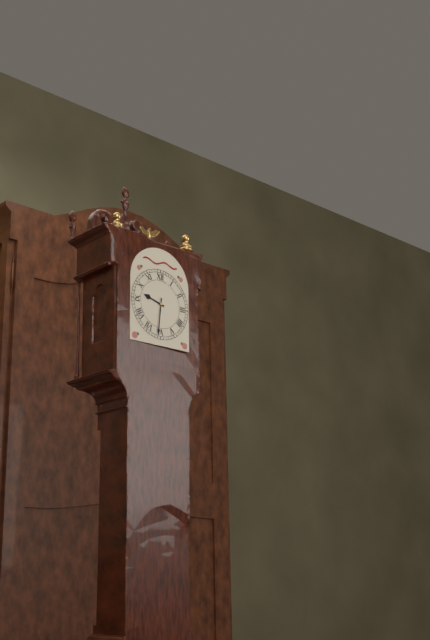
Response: 9:31
